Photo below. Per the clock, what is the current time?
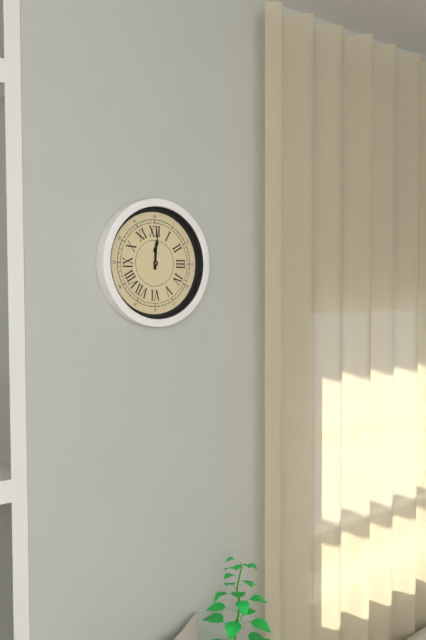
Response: 12:01
